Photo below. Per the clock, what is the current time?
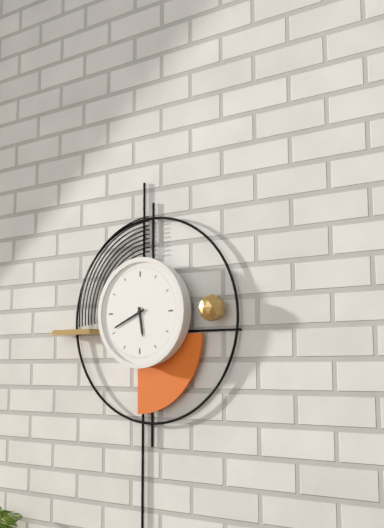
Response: 5:41
